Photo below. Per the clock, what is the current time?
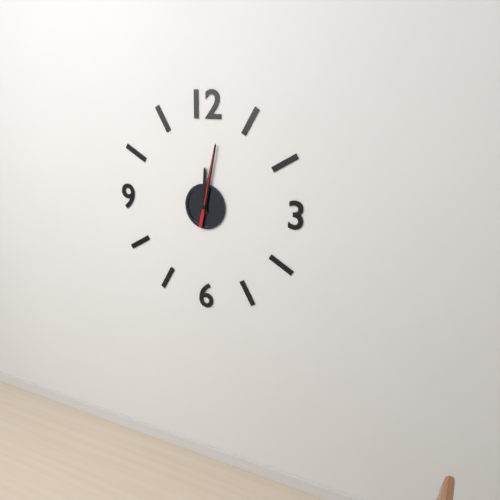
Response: 12:02:02
